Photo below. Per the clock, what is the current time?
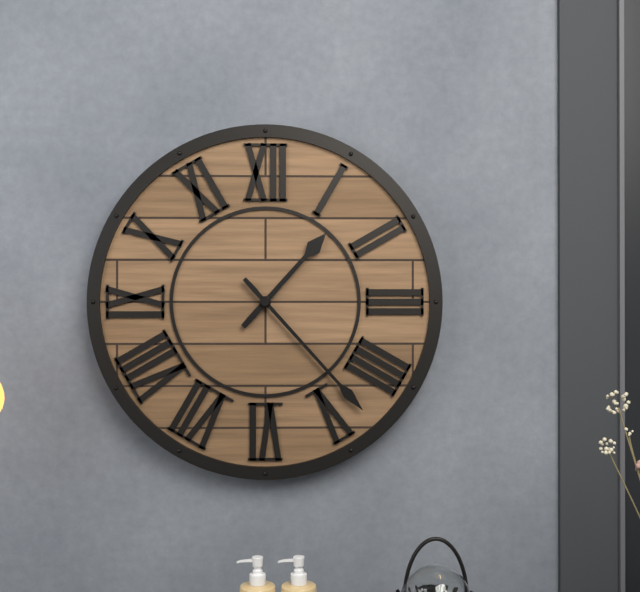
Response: 1:23
